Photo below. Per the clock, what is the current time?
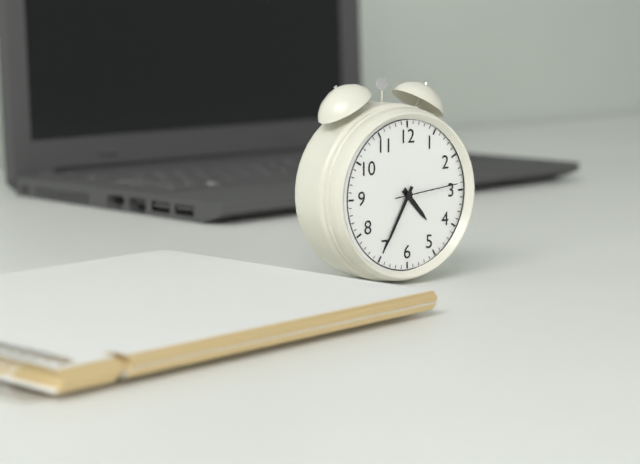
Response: 4:35:14
